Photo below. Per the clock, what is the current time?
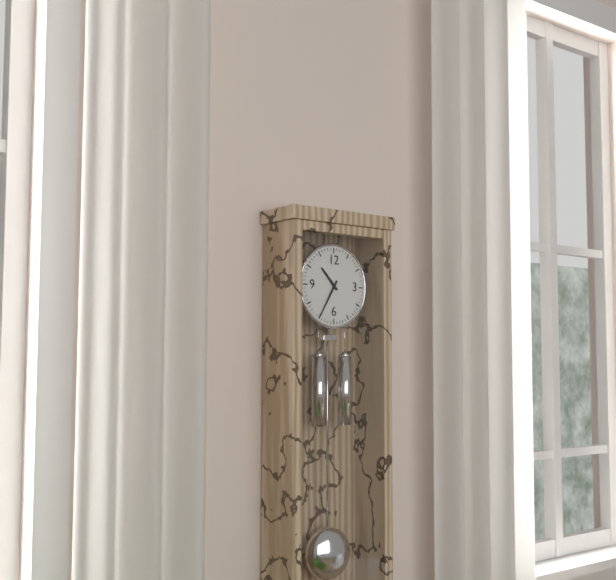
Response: 10:35
